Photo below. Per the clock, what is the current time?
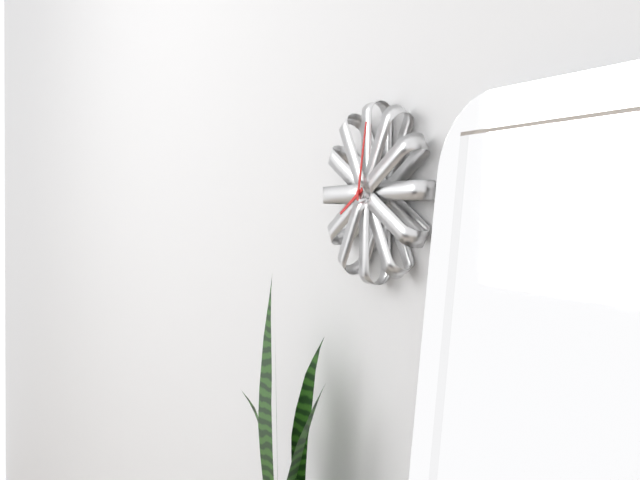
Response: 8:02
